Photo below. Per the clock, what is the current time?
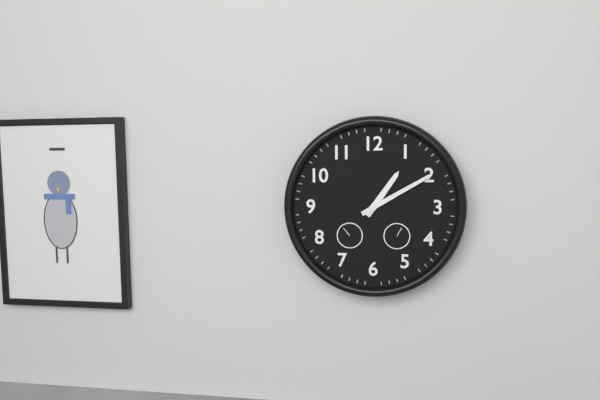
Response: 1:10
